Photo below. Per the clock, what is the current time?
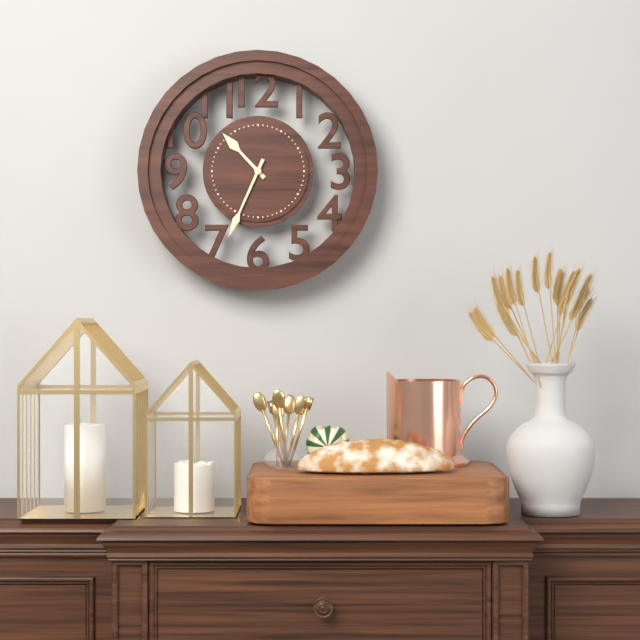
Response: 10:34
